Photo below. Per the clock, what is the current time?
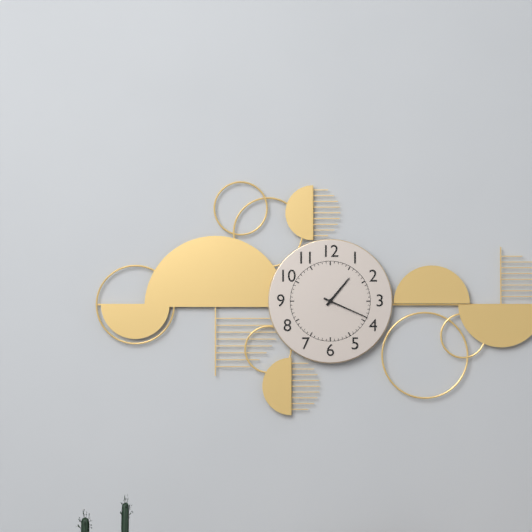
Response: 1:19
